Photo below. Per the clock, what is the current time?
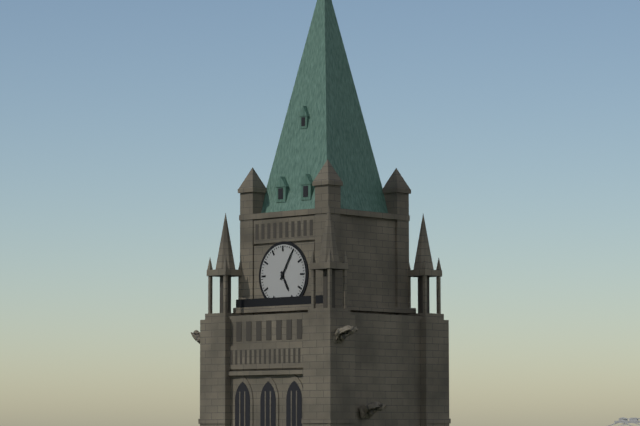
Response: 5:05
